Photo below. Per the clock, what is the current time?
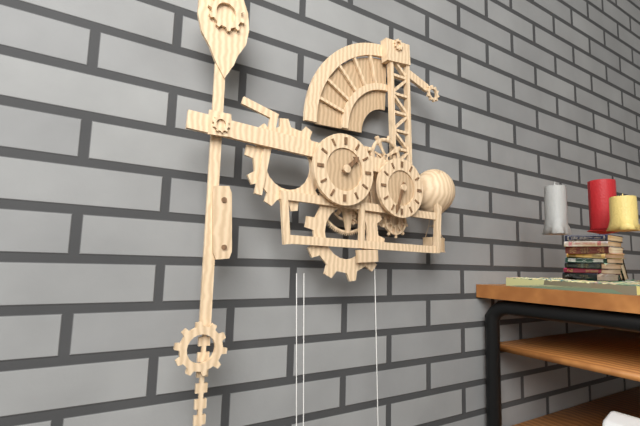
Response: 1:33
